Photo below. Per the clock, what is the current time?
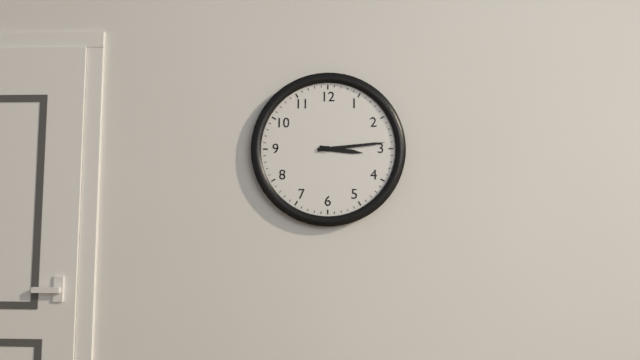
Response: 3:14
